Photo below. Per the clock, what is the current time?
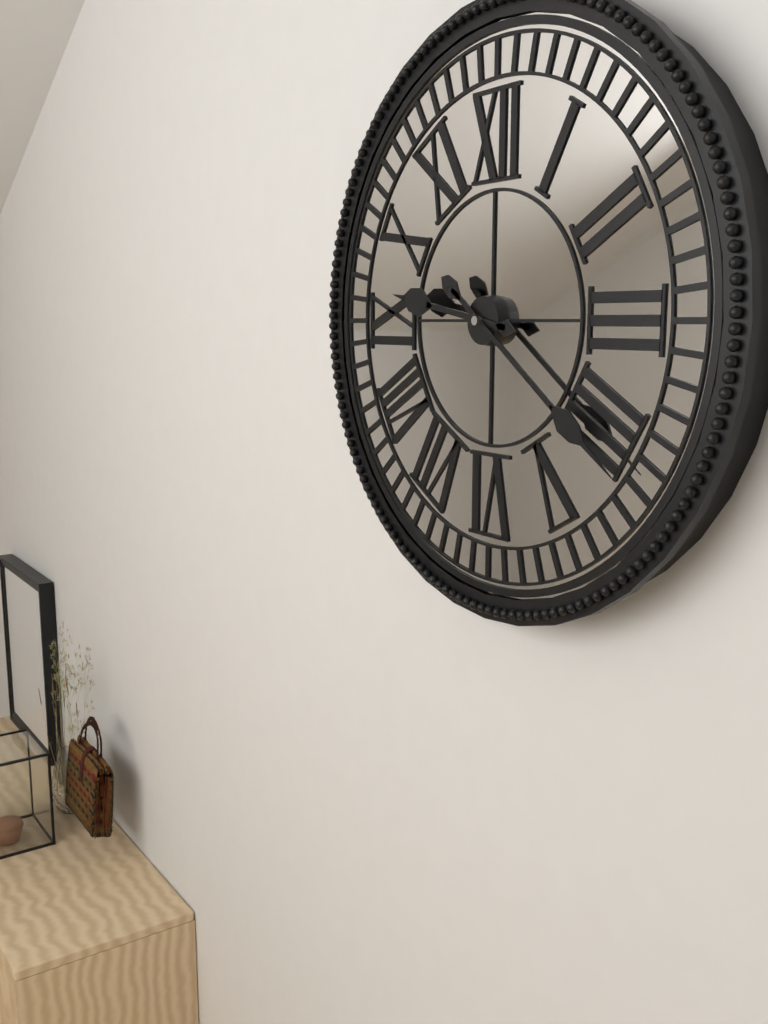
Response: 9:21
